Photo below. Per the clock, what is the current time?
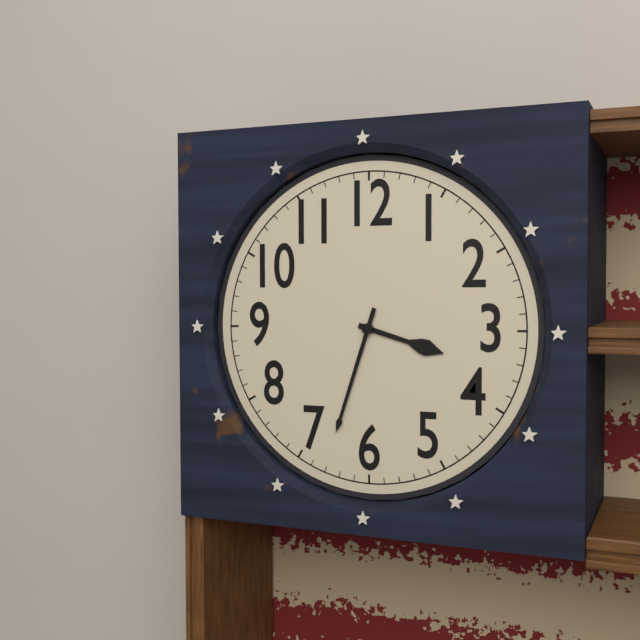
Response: 3:33
